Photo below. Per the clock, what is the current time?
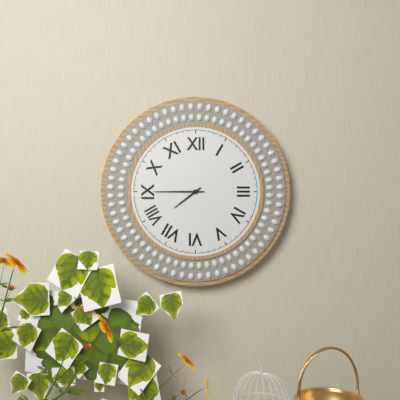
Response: 7:45
